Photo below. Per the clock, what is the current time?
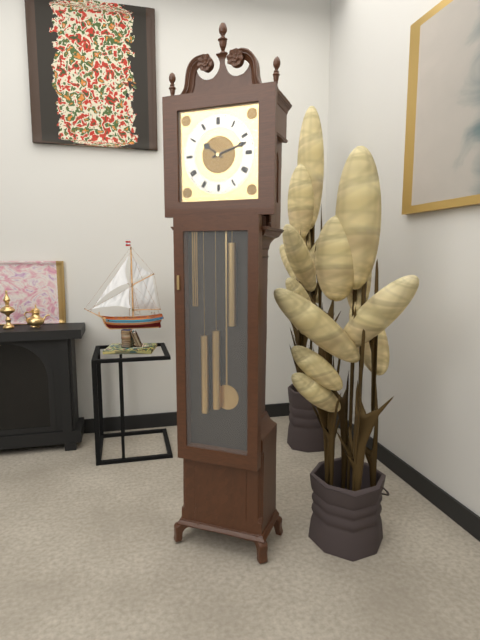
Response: 10:12
